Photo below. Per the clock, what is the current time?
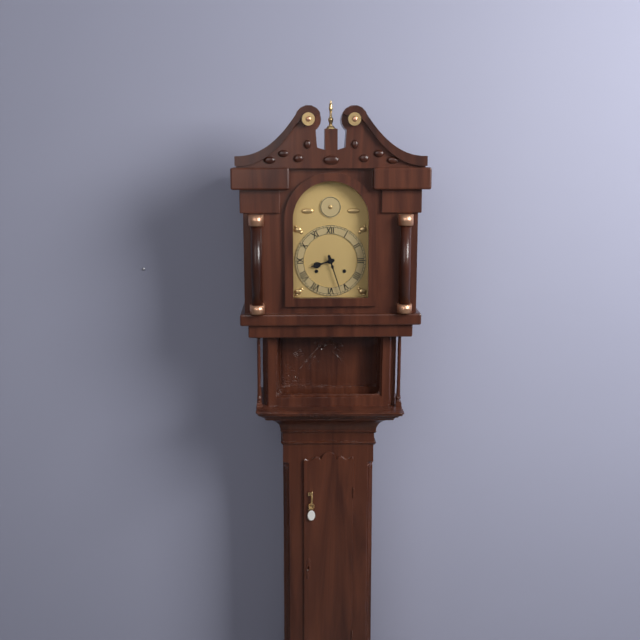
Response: 8:27
